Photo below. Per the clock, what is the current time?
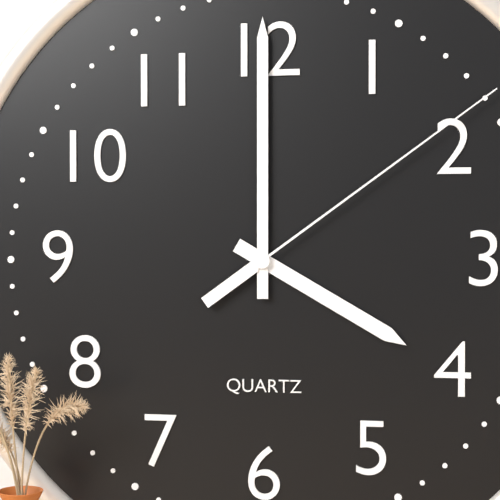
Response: 4:00:09
